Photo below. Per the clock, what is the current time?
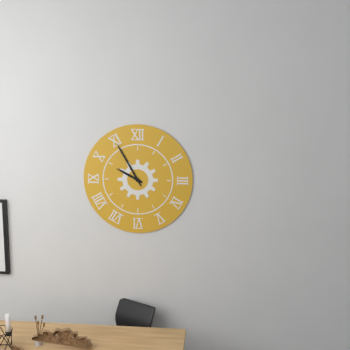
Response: 9:55
